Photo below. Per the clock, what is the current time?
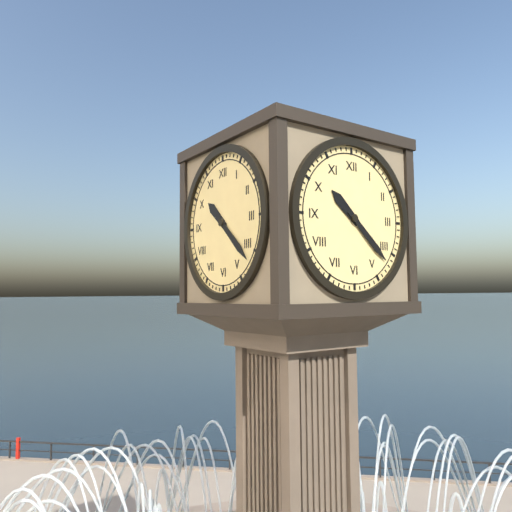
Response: 10:22
